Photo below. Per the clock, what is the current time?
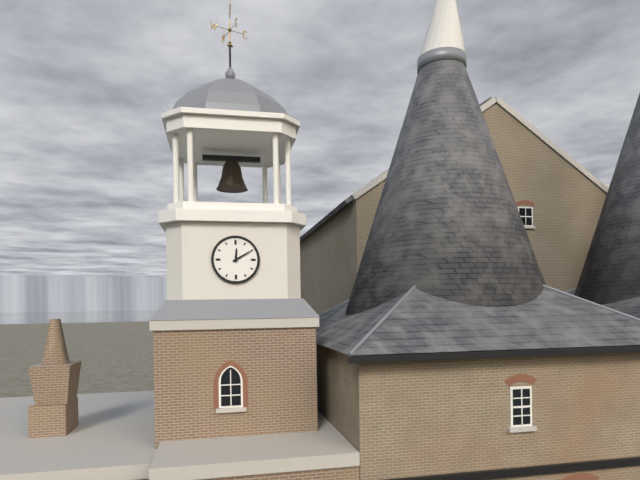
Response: 12:10
